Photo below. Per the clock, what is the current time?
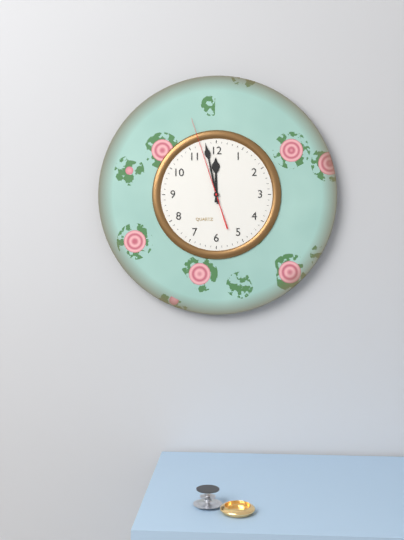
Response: 11:58:57
